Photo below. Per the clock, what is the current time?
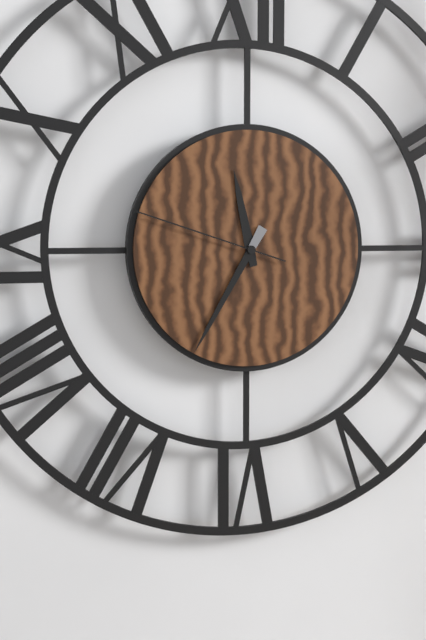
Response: 11:35:48
